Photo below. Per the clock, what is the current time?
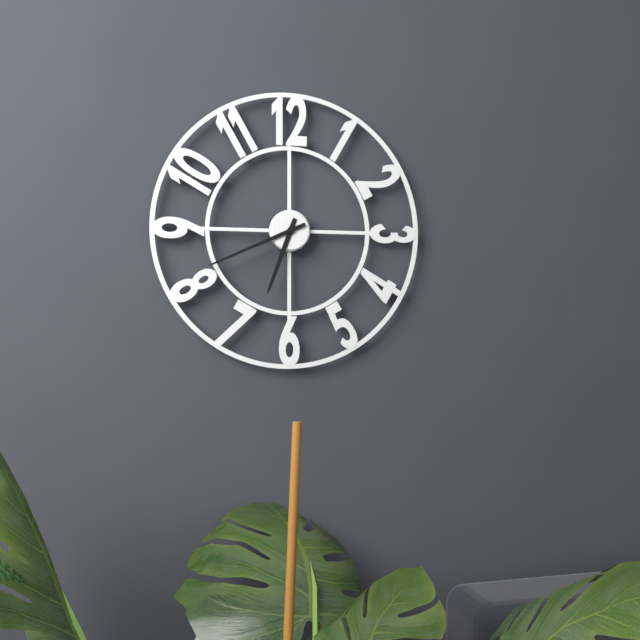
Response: 6:41
